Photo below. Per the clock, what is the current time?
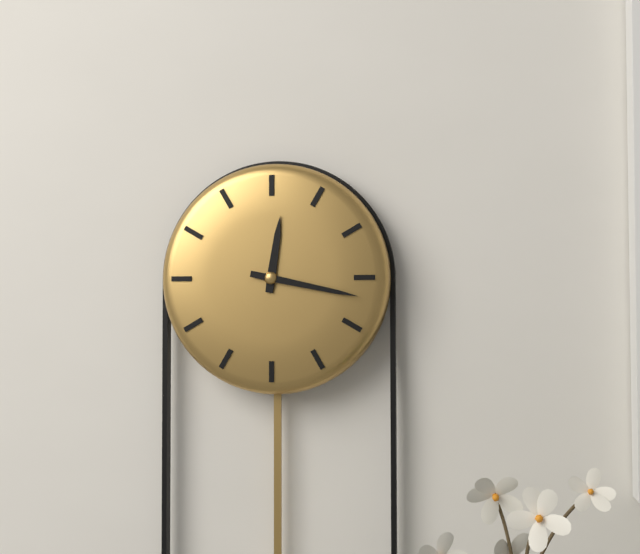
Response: 12:17
